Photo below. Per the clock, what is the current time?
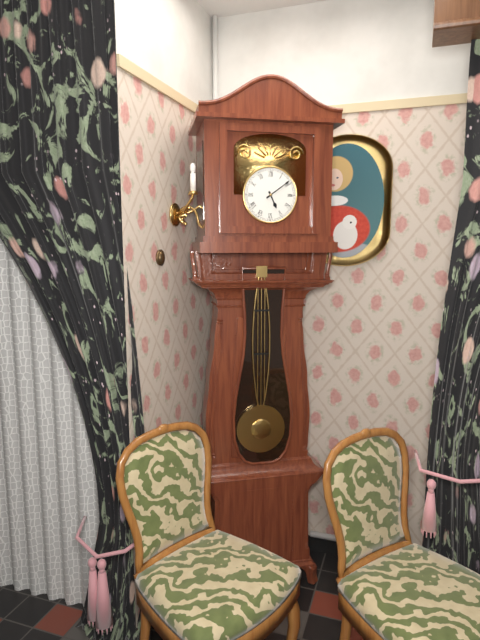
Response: 5:09
